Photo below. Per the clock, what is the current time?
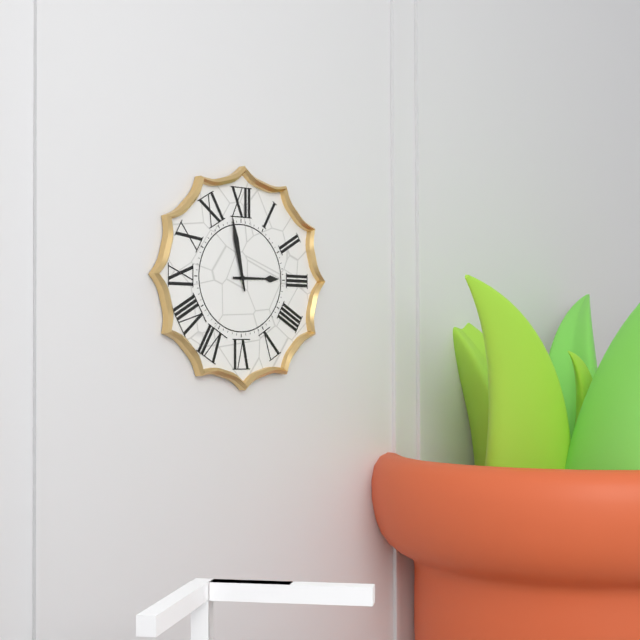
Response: 2:58
